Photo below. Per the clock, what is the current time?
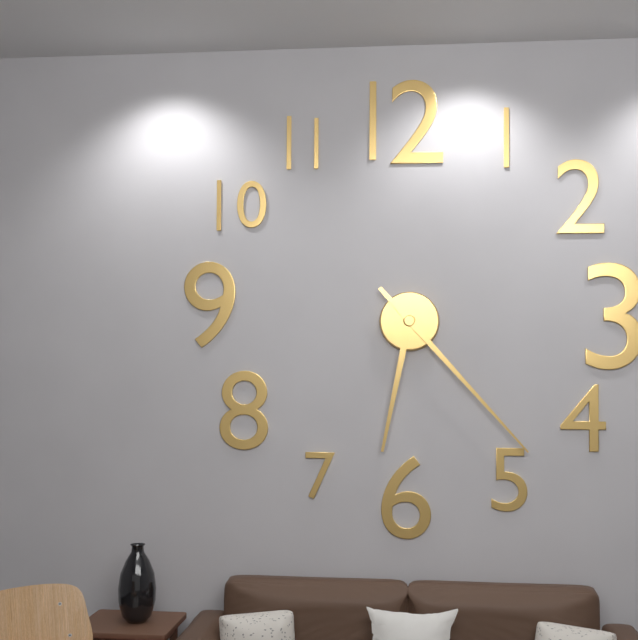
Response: 6:23
